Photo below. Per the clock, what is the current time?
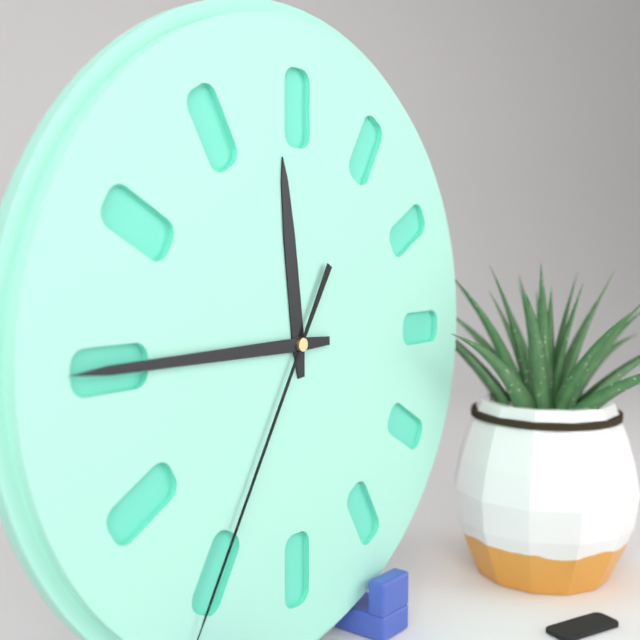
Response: 11:45
